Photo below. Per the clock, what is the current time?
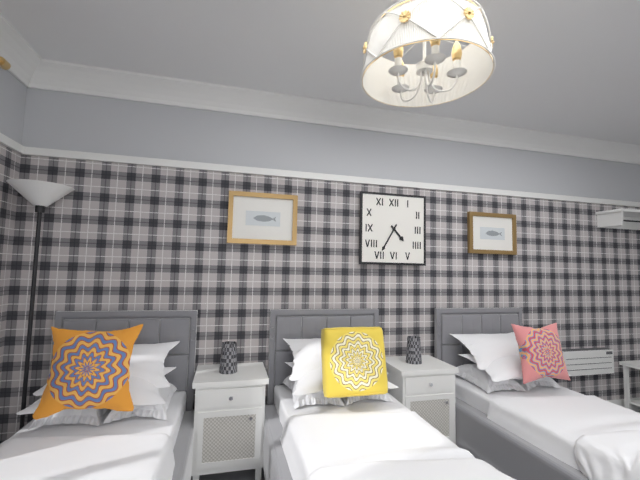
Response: 4:35
